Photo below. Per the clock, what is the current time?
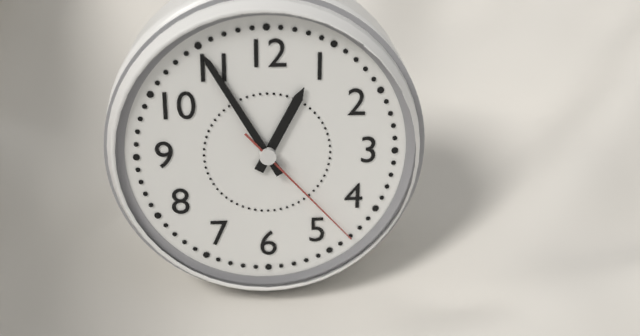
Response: 12:55:23
